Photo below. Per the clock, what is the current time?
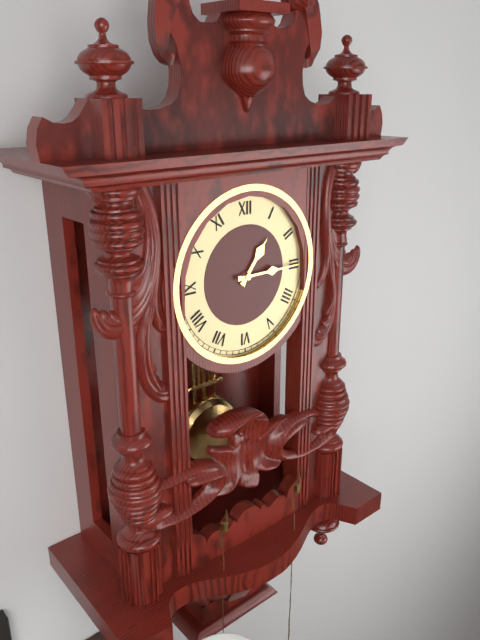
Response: 1:15
